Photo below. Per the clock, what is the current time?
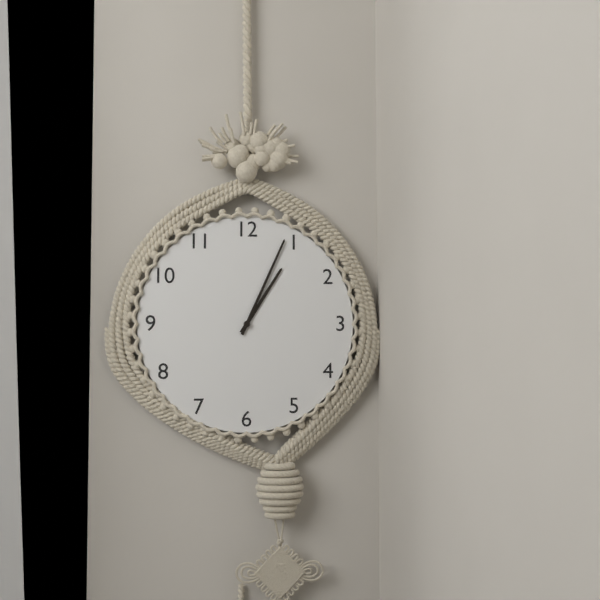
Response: 1:04
